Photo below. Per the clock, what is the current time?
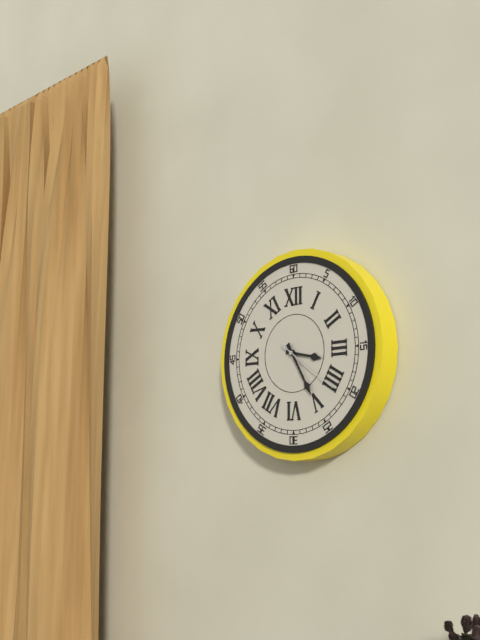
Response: 3:25
